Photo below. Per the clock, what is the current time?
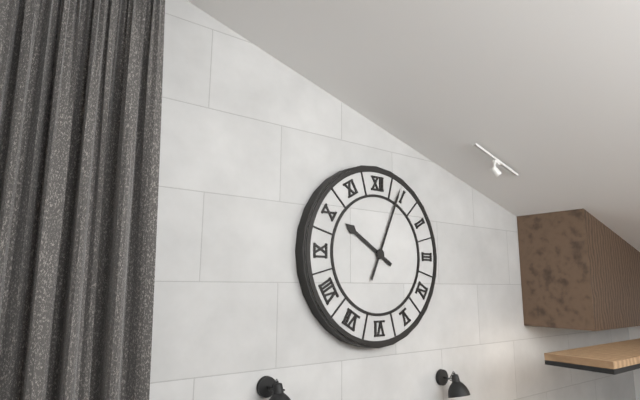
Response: 10:04
